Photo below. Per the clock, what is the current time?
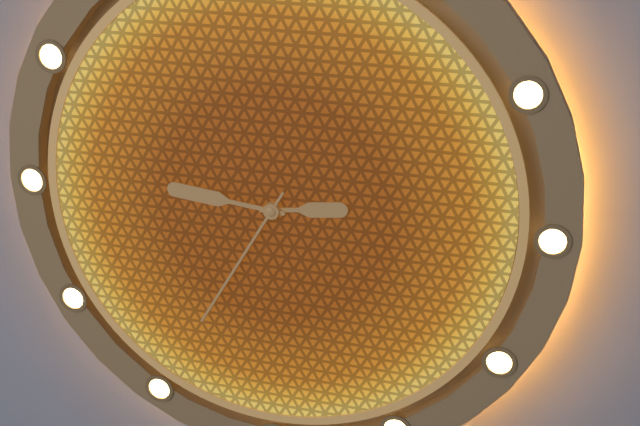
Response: 2:46:35
